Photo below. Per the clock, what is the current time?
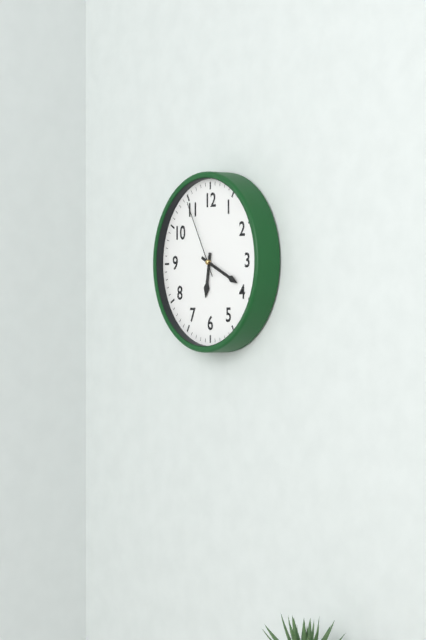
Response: 6:19:55
